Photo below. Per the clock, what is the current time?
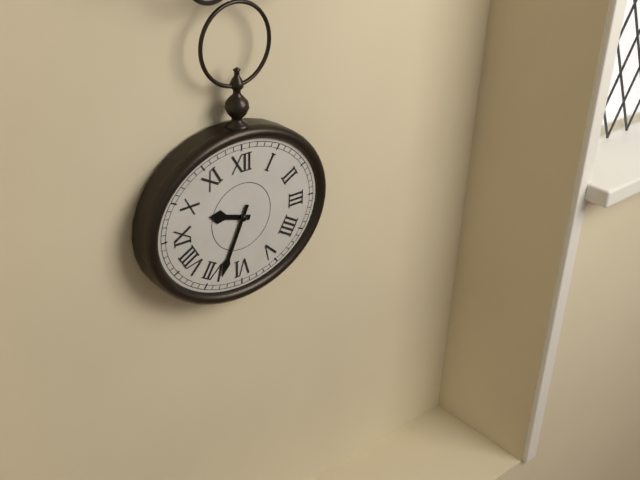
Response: 9:34
